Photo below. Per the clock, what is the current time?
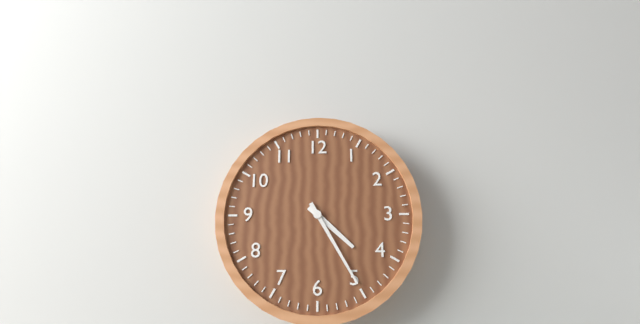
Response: 4:25
